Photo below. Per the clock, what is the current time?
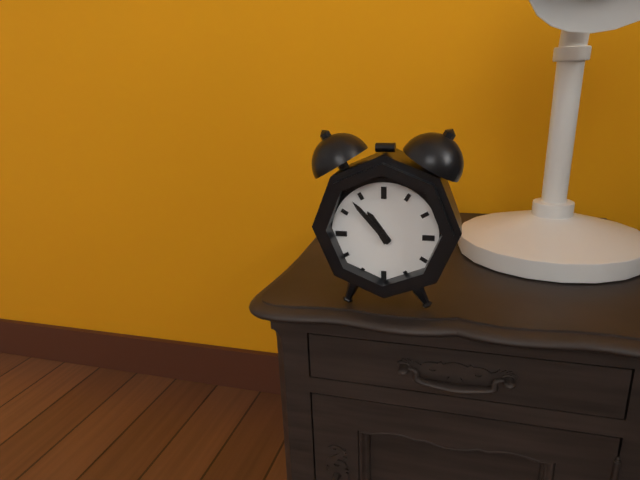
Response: 10:53
